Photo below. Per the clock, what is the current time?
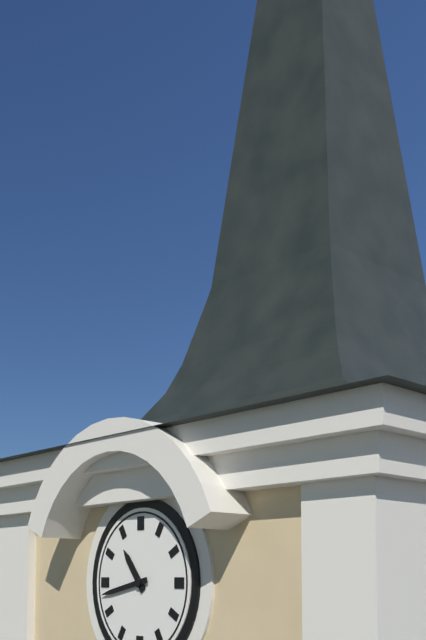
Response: 10:43
